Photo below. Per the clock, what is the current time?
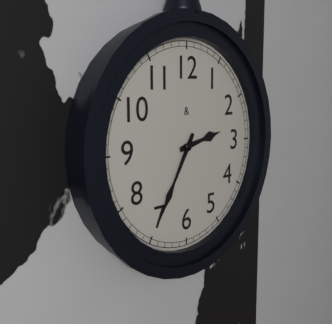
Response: 2:35
